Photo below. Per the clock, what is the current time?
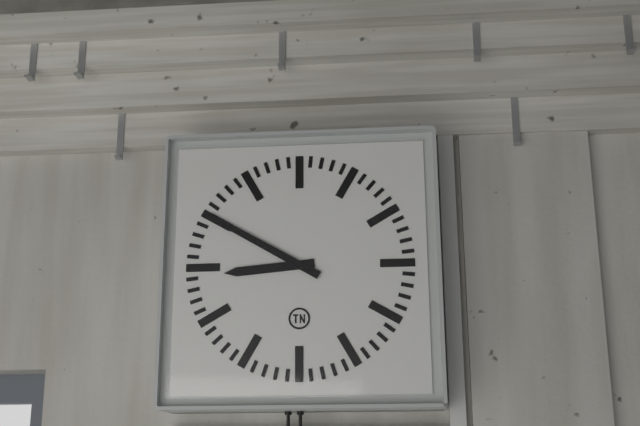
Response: 8:50
